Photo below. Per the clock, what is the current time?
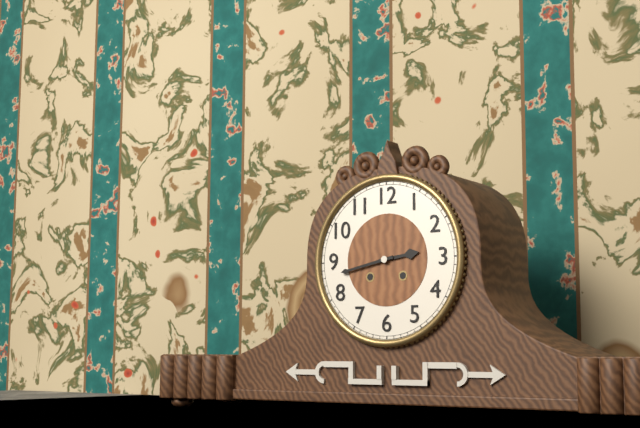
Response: 2:43
